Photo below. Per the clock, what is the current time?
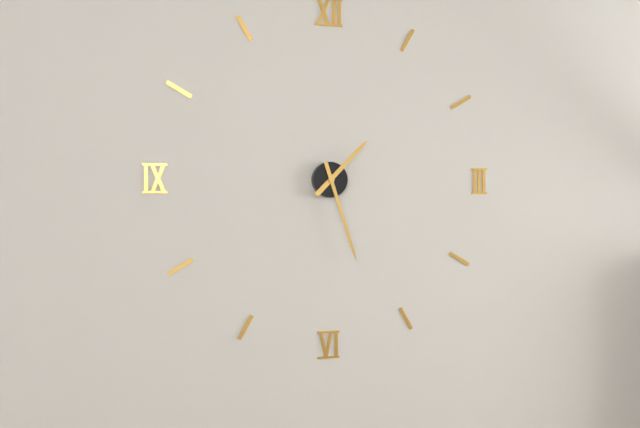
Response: 1:27
